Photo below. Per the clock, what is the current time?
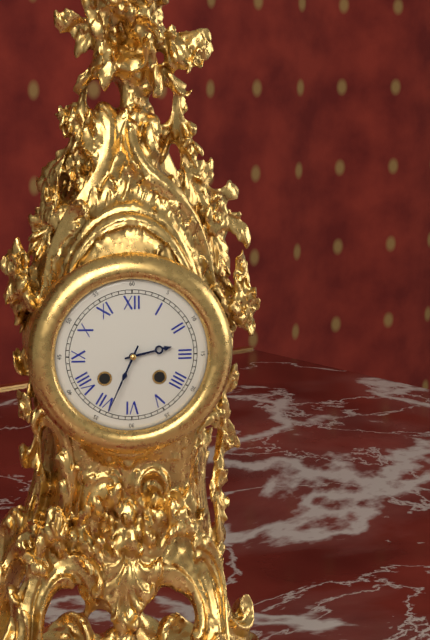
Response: 2:34
